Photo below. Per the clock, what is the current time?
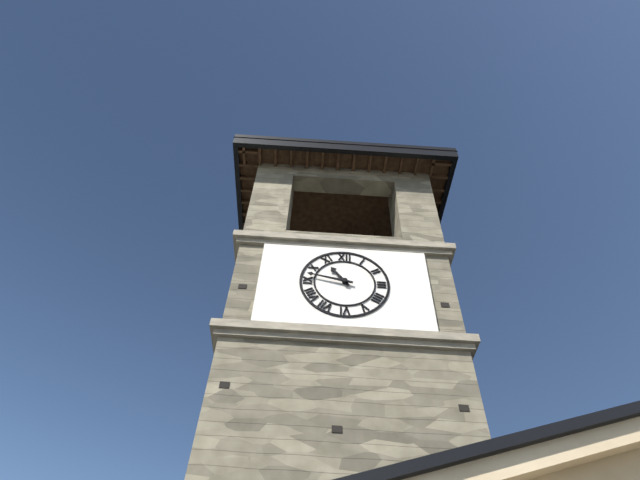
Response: 10:47
